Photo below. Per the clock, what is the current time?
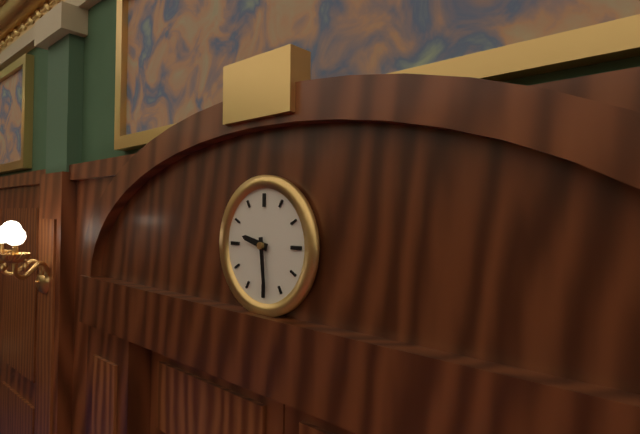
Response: 9:29
